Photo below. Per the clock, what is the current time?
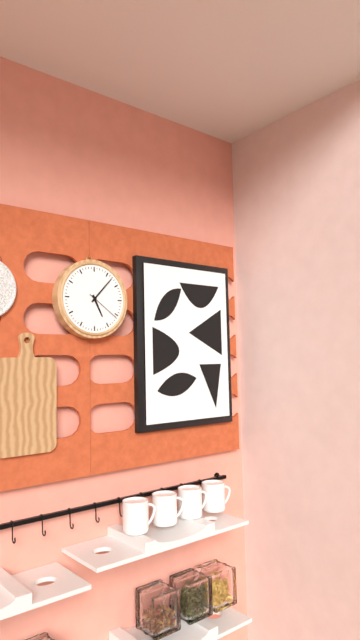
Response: 5:07
